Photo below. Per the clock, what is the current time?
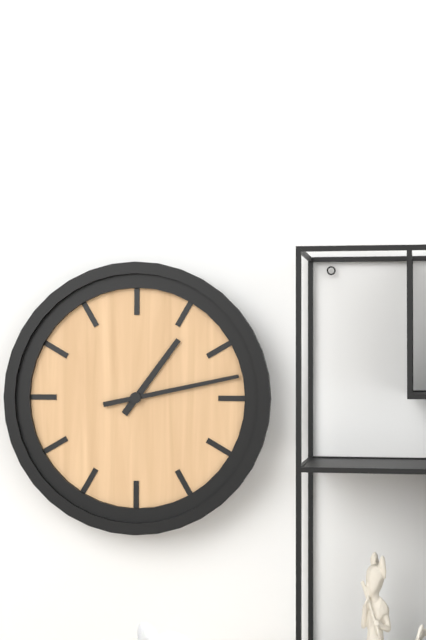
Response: 1:13
